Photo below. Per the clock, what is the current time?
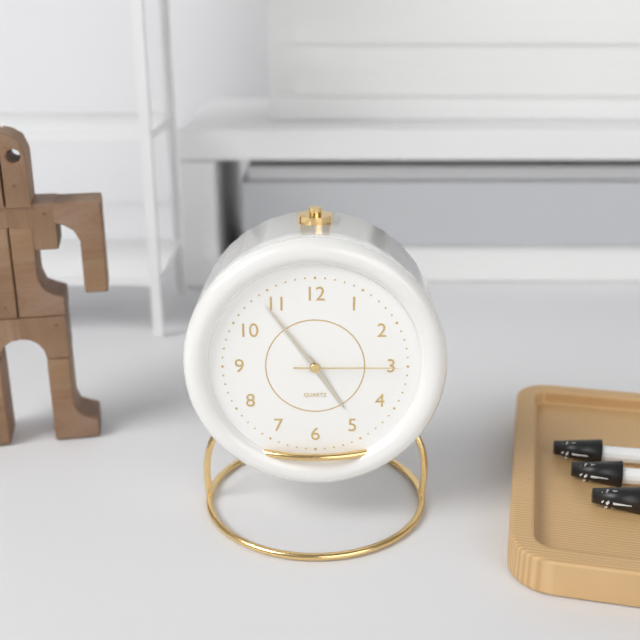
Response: 4:54:15
